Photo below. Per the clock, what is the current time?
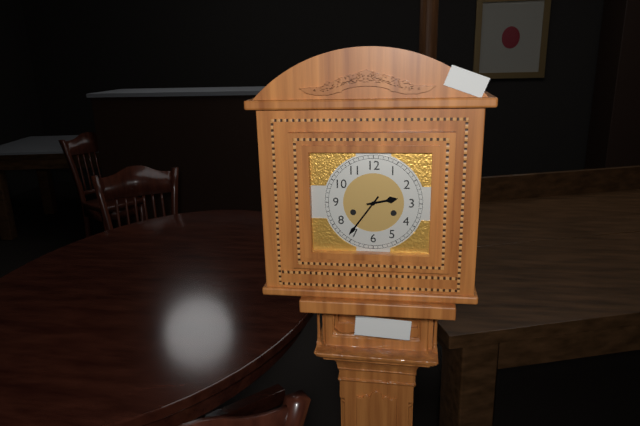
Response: 2:36
